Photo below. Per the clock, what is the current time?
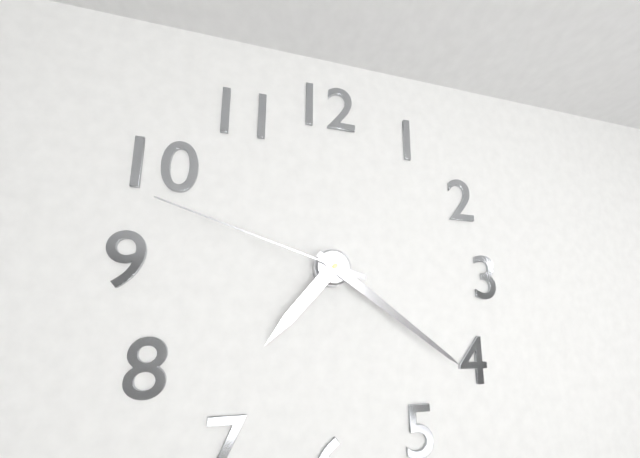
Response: 7:21:48
